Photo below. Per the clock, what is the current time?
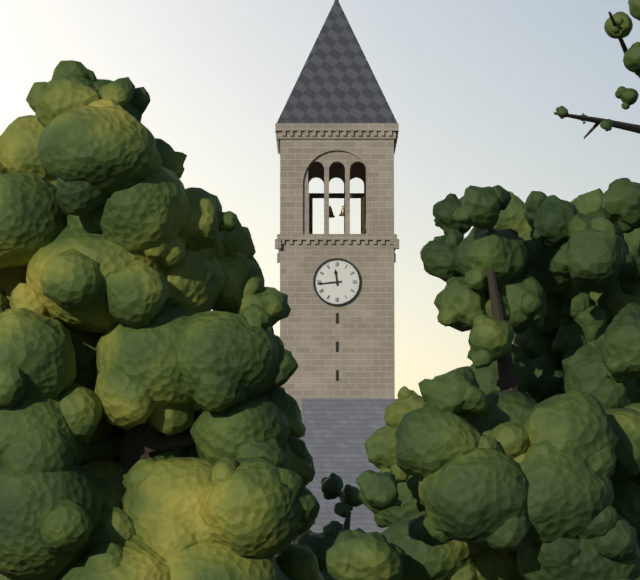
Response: 11:44
